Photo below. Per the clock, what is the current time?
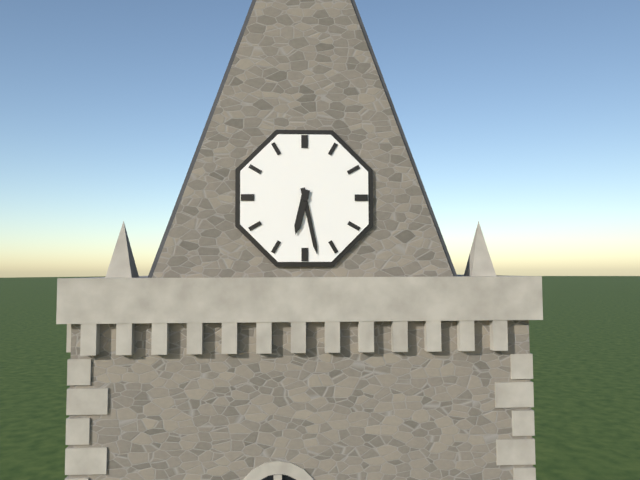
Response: 6:28
